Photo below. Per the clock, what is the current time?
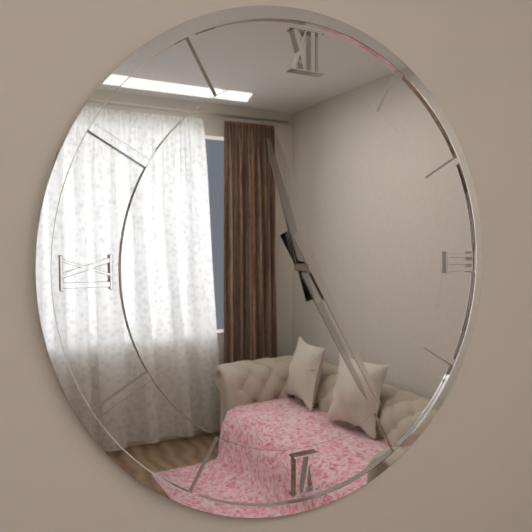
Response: 11:25
